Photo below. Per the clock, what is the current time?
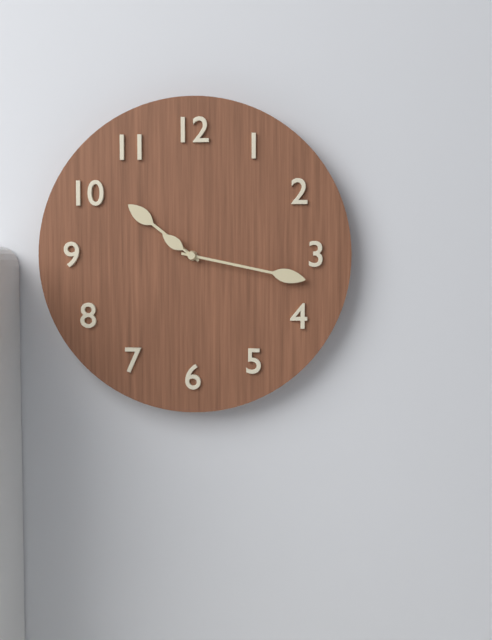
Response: 10:17:51
